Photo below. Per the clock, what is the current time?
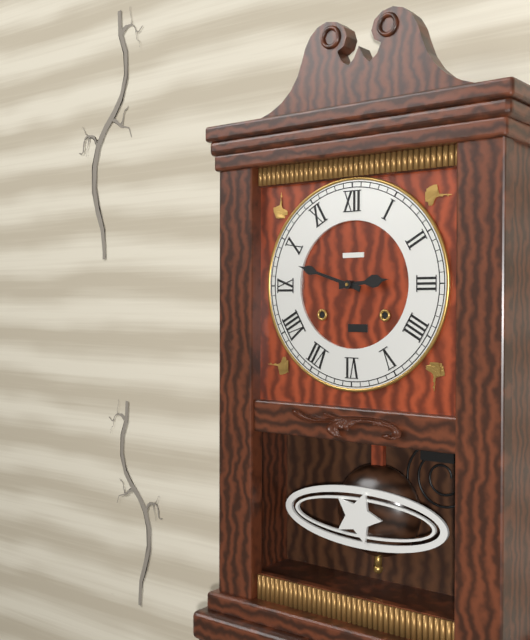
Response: 2:48
